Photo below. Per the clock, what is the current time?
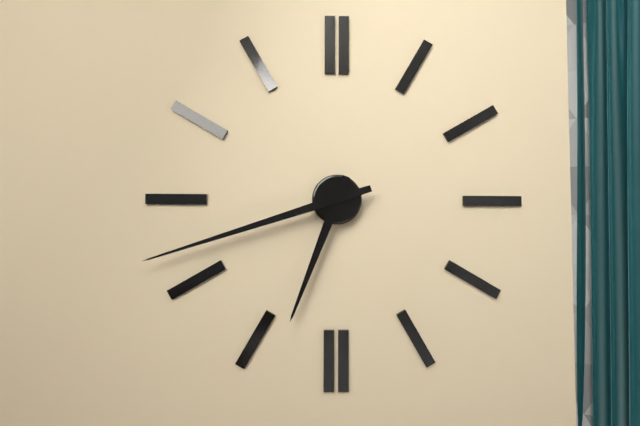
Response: 6:42
